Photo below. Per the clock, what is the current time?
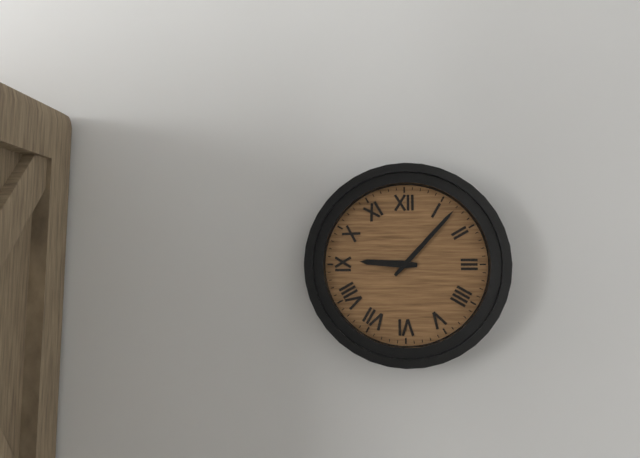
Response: 9:07
